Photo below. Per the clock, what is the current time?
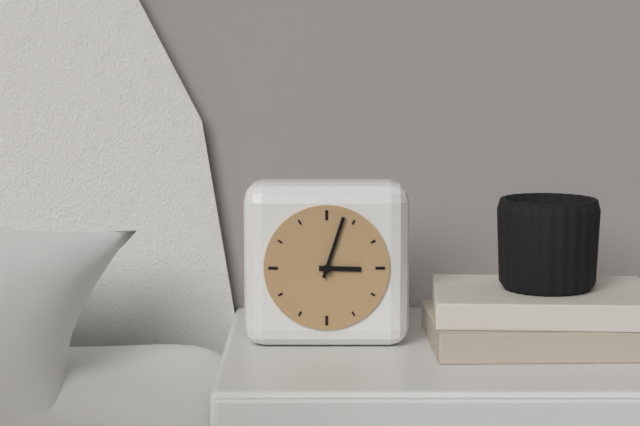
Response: 3:03
